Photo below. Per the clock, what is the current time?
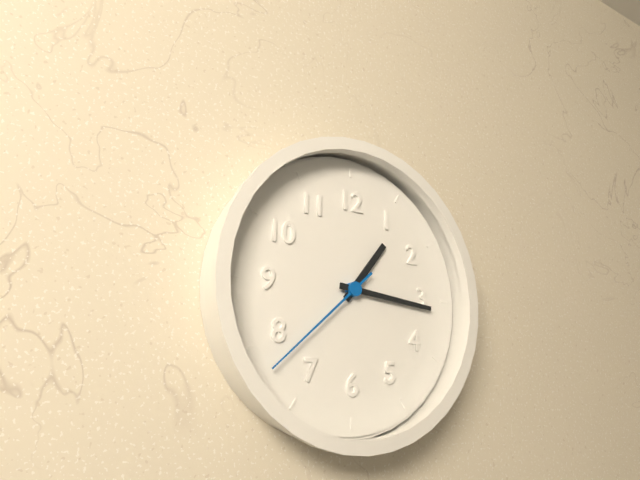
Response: 1:16:38
